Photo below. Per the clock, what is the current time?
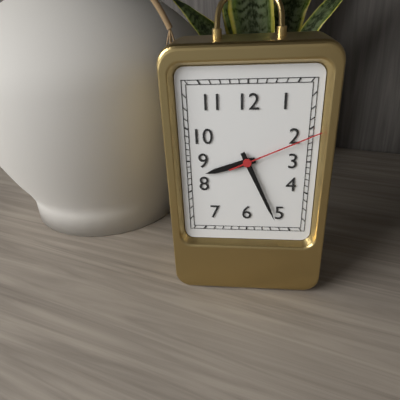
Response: 8:26:11
